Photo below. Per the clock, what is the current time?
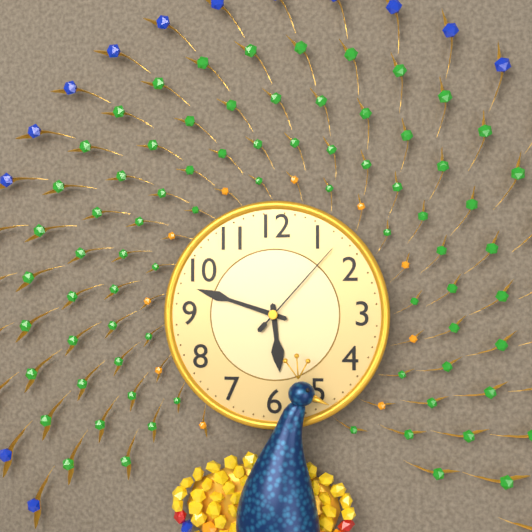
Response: 5:48:07
